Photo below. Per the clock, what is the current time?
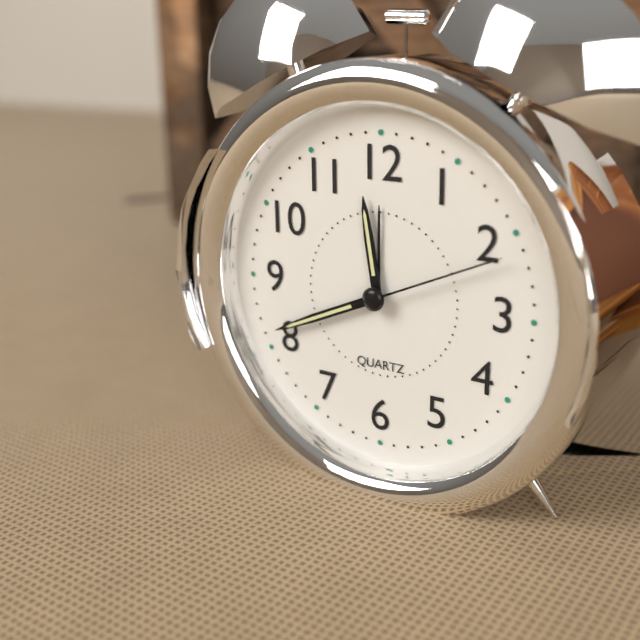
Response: 11:41:11
